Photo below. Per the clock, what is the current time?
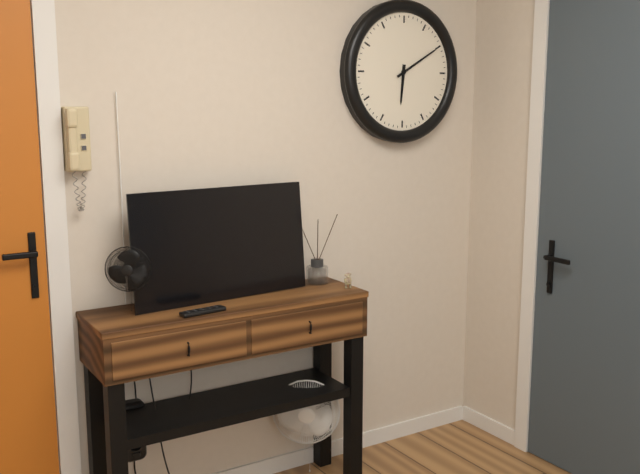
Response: 6:10
